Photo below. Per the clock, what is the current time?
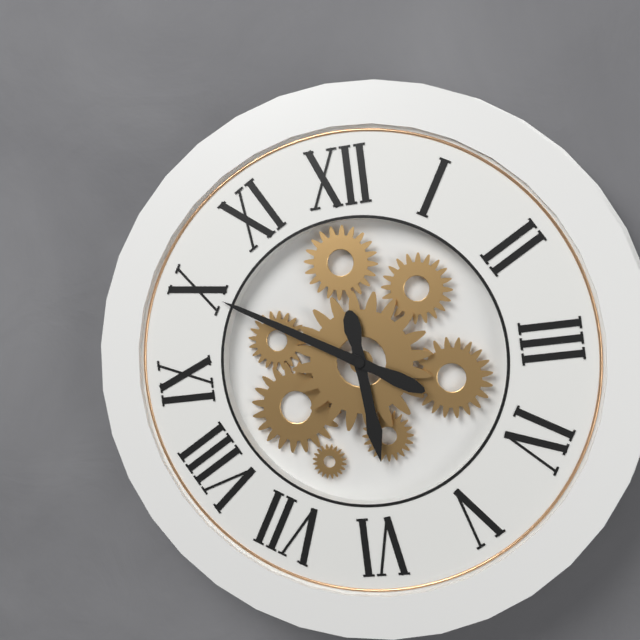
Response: 5:50
